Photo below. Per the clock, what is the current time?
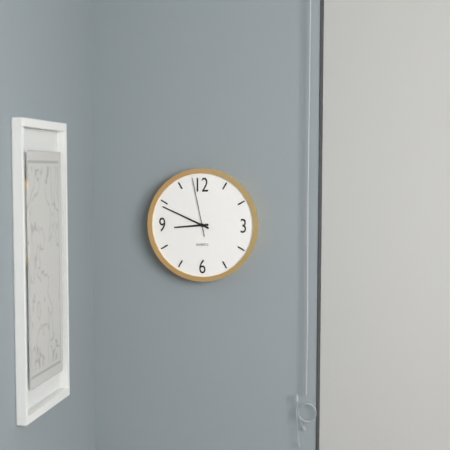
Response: 8:49:58
